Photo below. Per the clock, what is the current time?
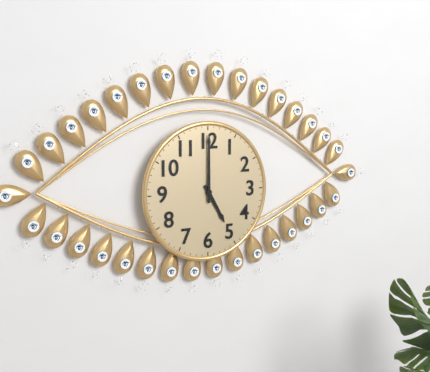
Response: 5:00
